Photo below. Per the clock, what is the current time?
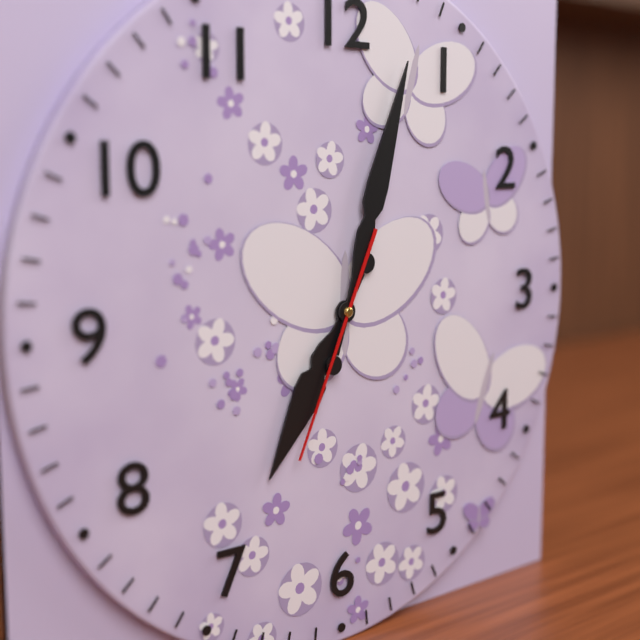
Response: 7:03:34
